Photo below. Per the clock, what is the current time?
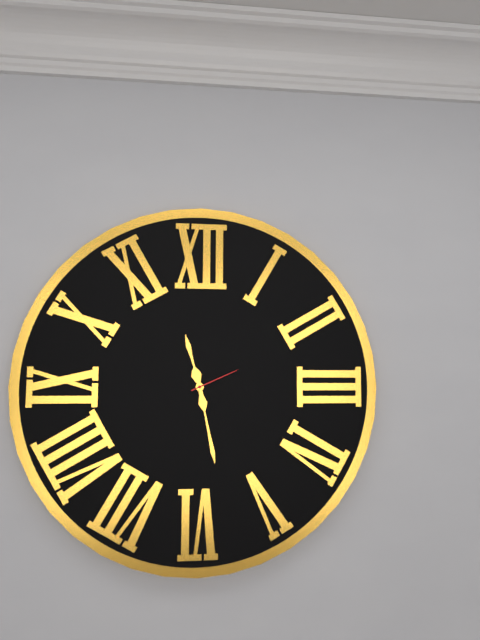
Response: 11:28:11
